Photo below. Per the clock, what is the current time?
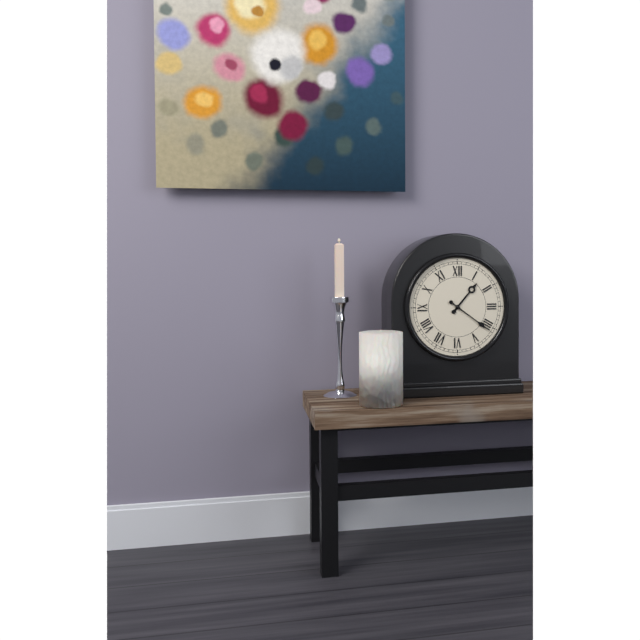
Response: 1:21
